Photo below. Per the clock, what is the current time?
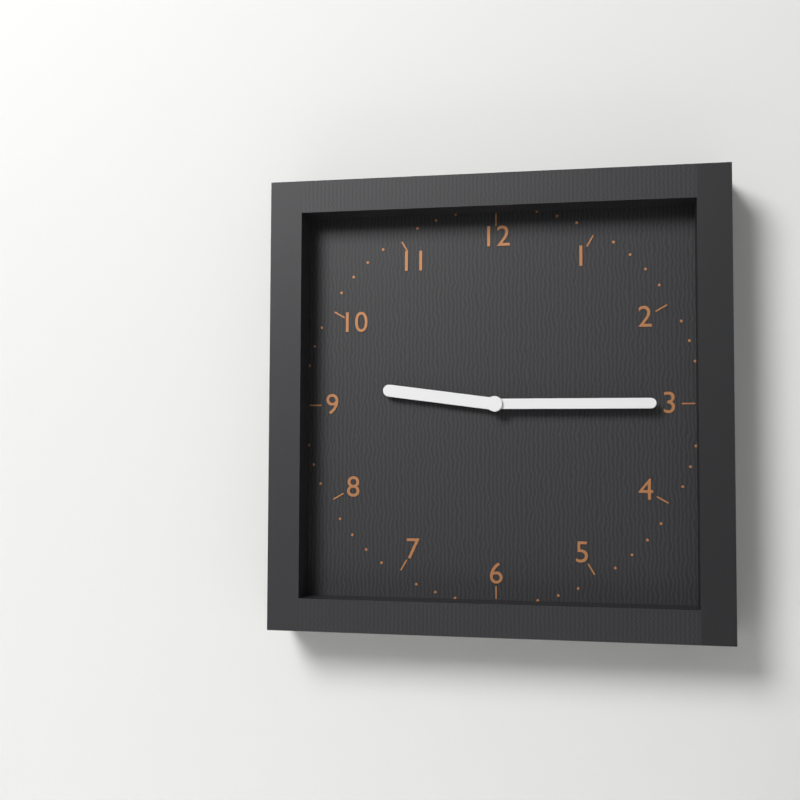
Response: 9:15
